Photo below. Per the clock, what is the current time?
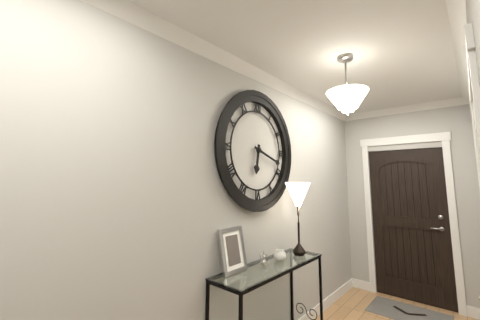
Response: 6:18
